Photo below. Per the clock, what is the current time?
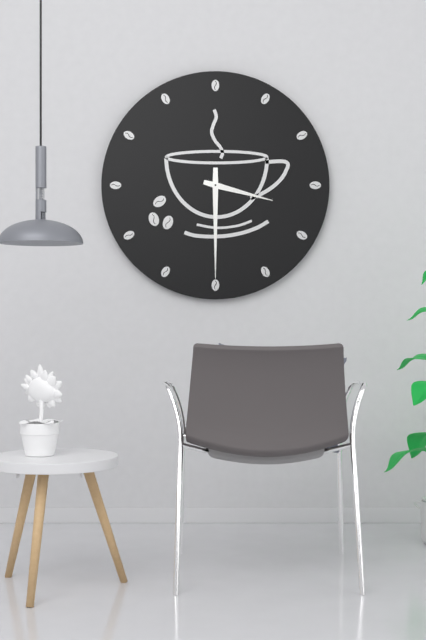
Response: 3:30
